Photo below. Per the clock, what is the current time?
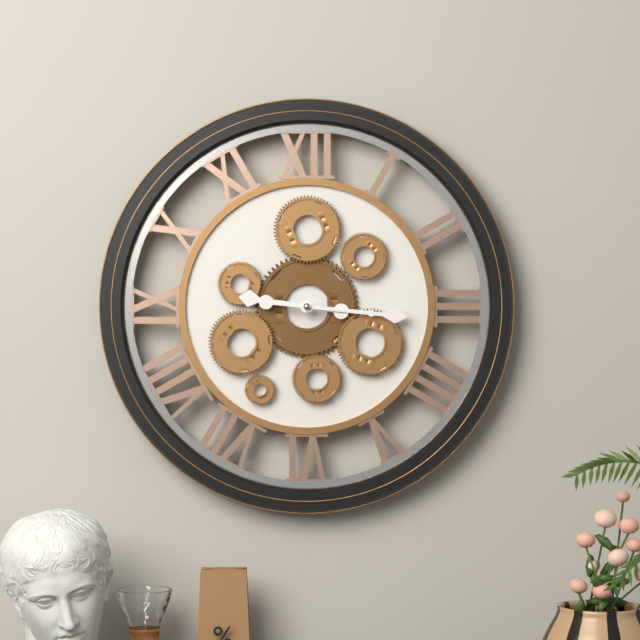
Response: 9:16
